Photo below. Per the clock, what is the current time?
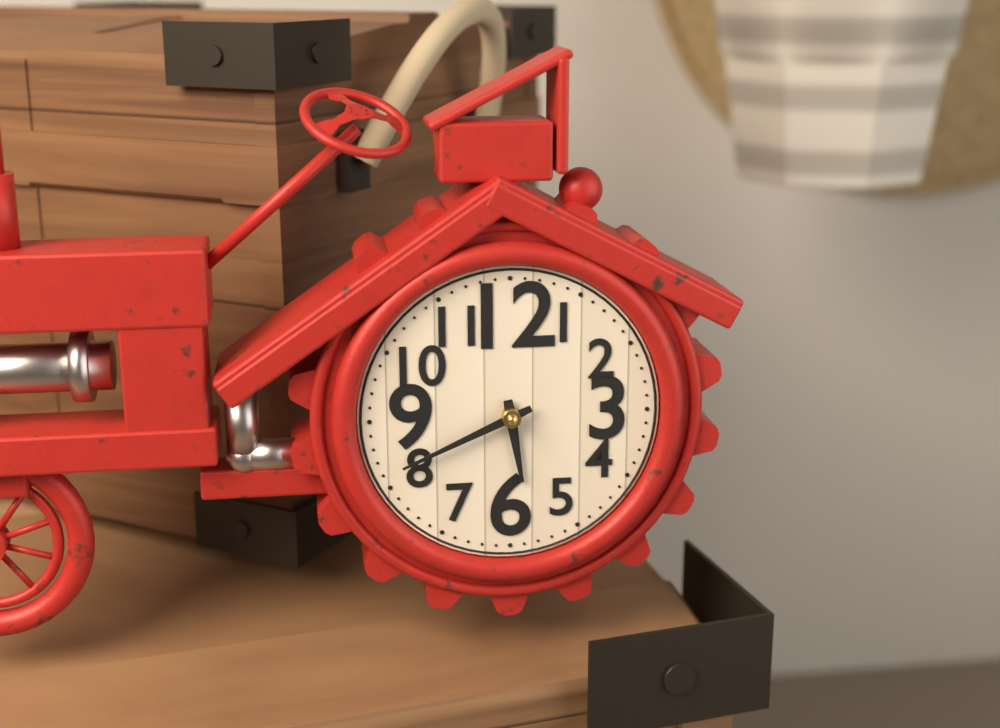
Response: 5:41
